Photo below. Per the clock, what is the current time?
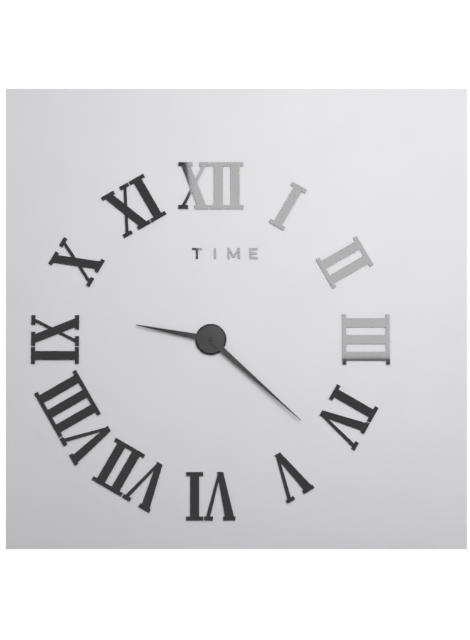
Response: 9:22
